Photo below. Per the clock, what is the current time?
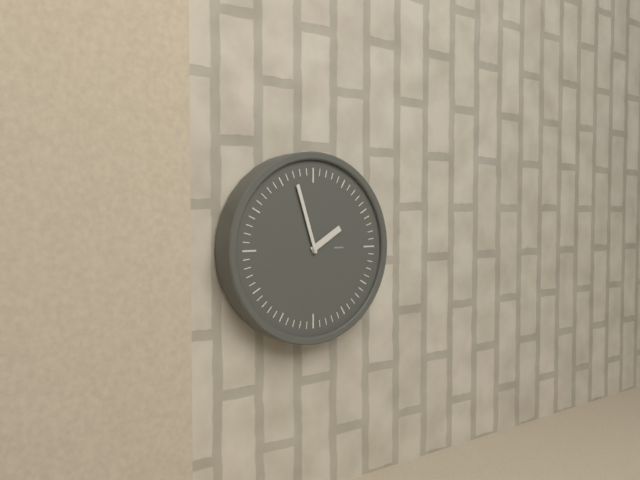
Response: 1:57
